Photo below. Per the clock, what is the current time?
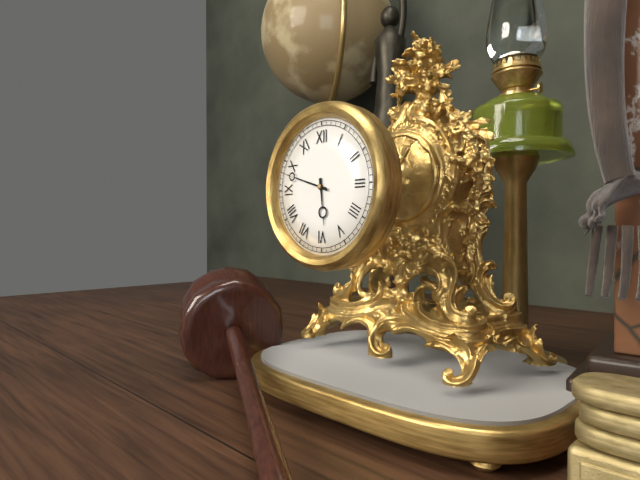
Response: 5:48
